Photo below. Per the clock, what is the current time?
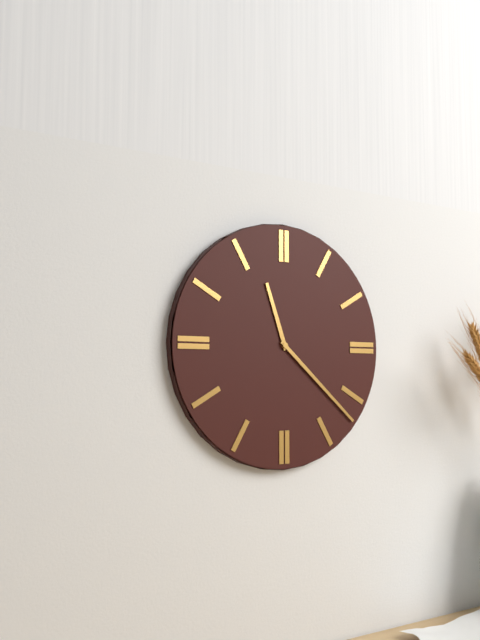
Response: 11:22
